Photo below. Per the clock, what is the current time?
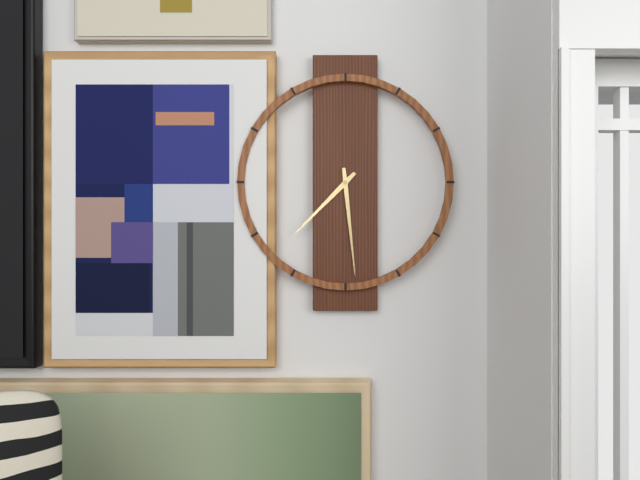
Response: 7:29
